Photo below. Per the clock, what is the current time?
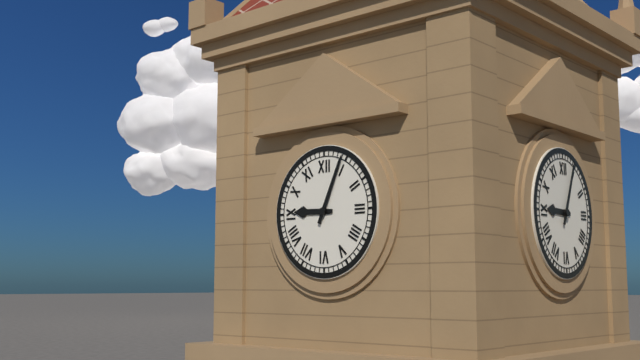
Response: 9:04
